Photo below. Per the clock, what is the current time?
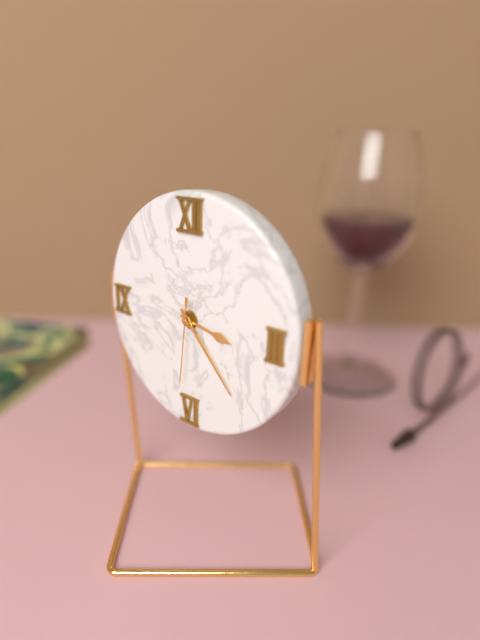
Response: 3:23:31
